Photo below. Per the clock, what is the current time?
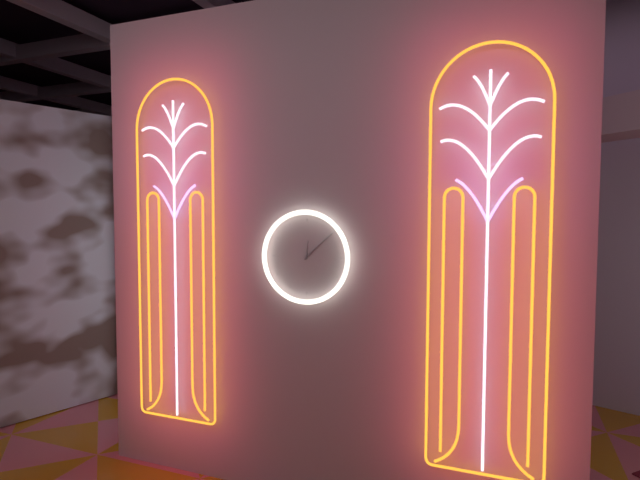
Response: 12:08
